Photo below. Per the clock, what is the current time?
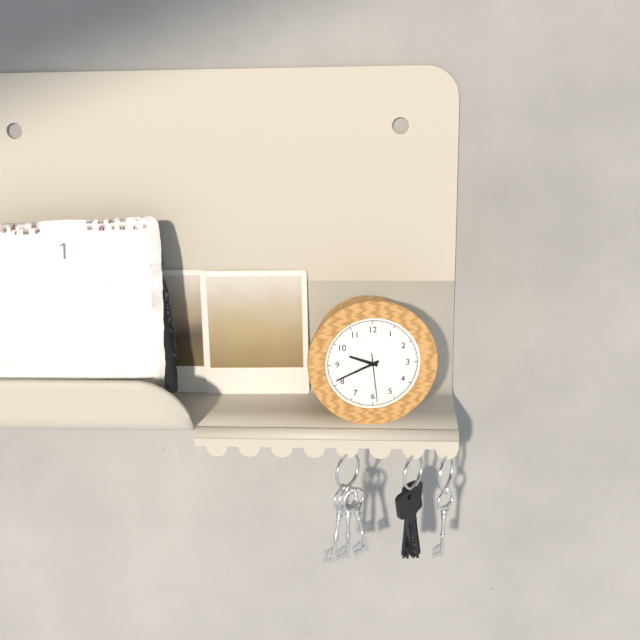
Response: 9:41
